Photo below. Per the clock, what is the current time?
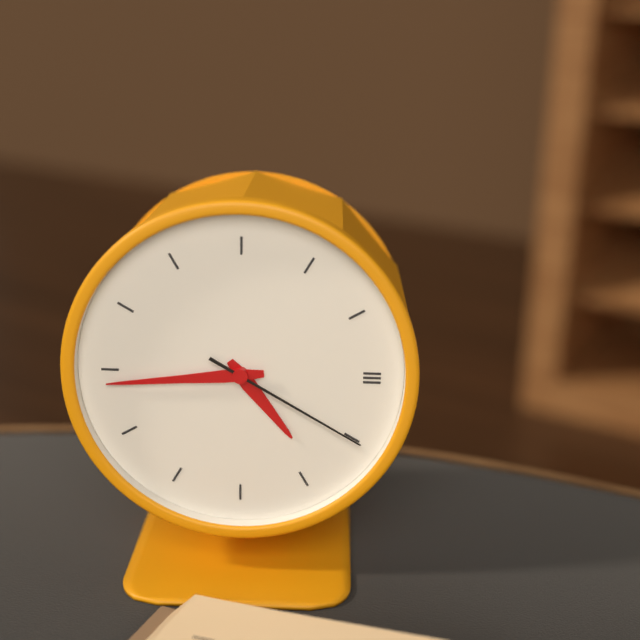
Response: 4:44:20
